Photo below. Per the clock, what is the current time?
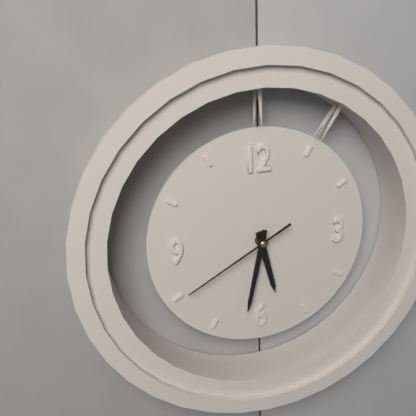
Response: 5:32:40
